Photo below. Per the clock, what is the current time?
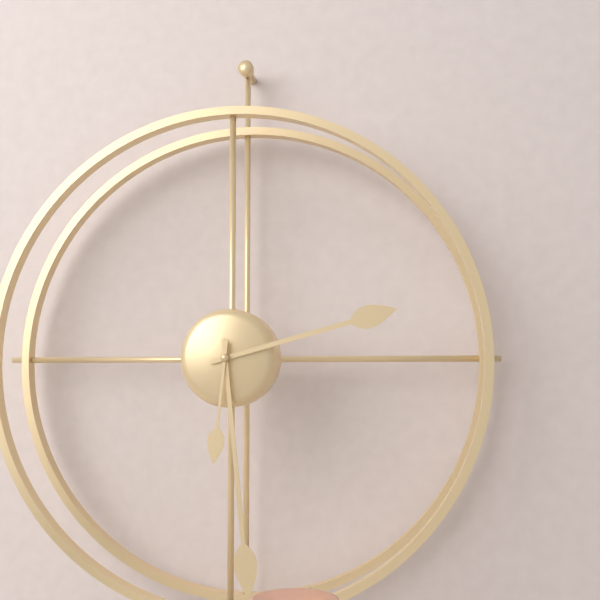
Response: 2:29:31
